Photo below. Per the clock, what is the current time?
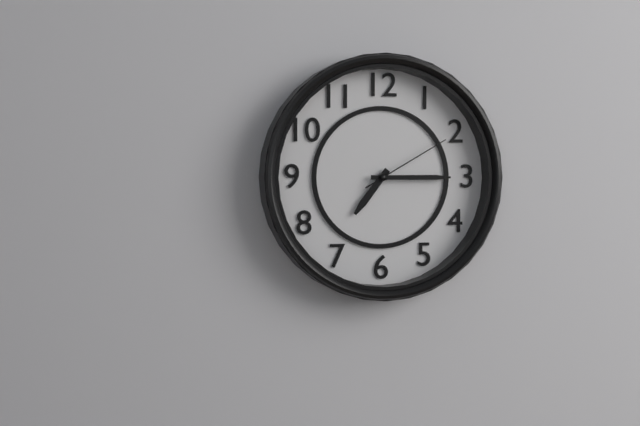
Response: 7:15:10
